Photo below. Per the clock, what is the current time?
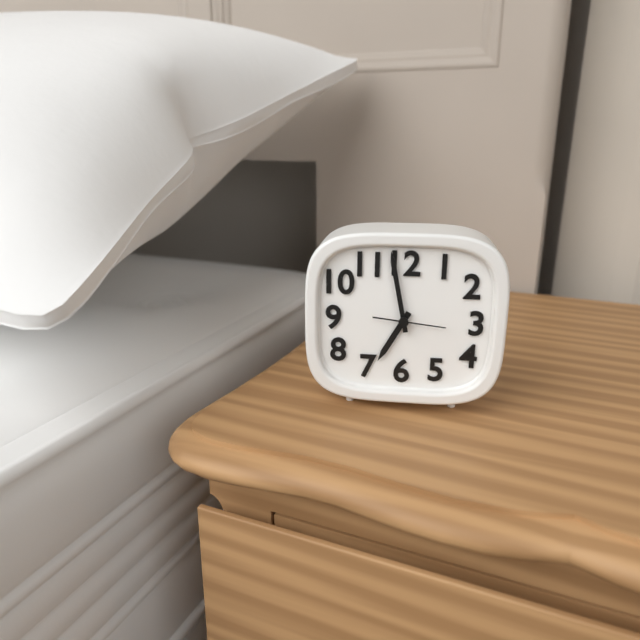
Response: 6:58:16
